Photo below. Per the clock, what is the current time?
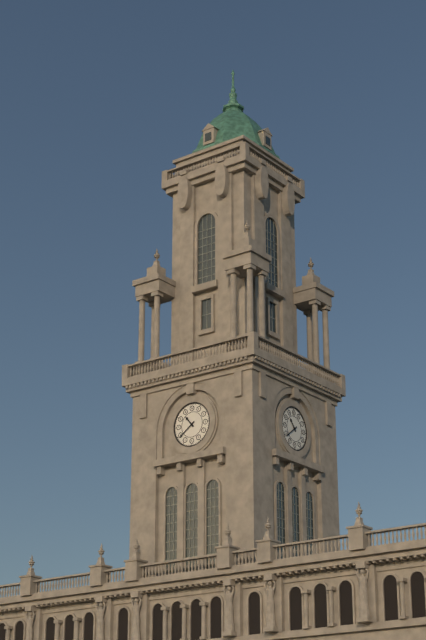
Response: 10:39
